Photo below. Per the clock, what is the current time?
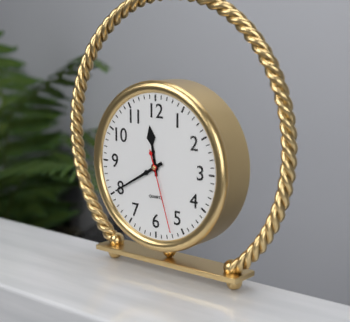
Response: 11:40:27
